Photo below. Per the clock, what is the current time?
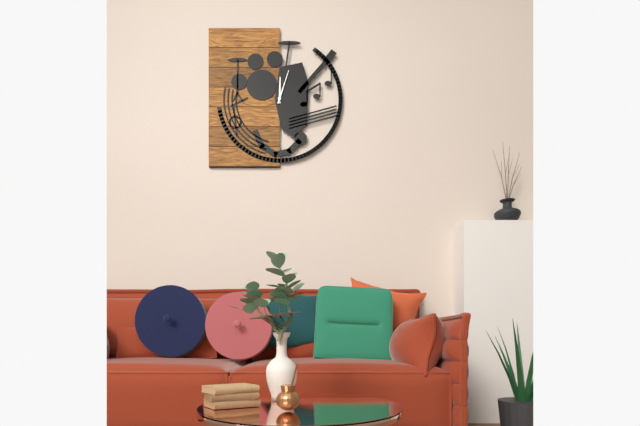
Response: 12:03
